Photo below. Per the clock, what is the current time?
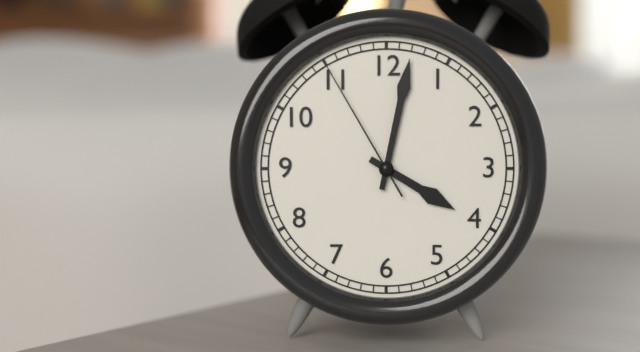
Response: 4:02:55
